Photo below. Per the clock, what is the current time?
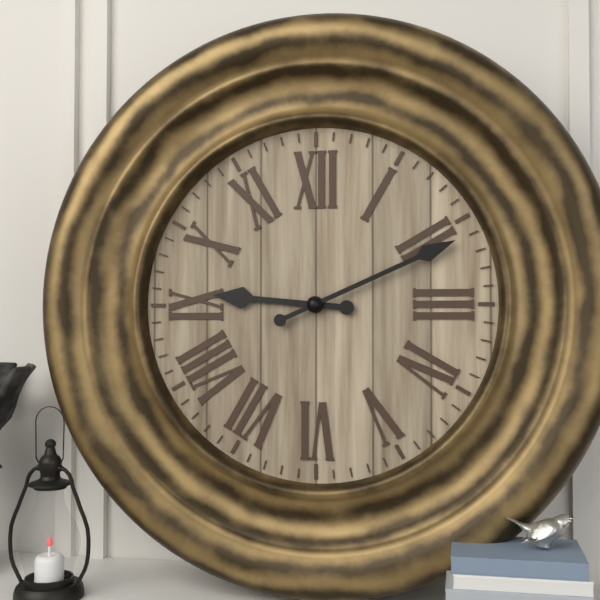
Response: 9:11
